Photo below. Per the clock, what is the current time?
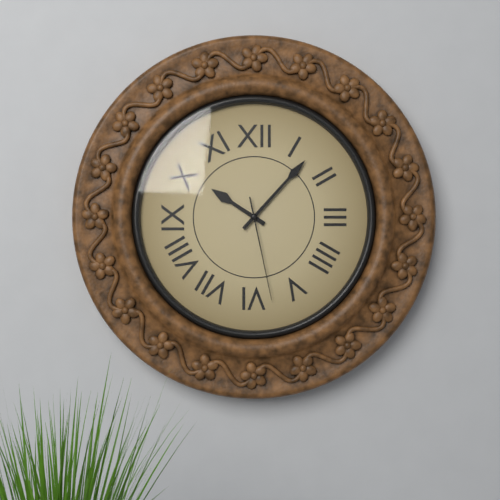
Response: 10:07:28
